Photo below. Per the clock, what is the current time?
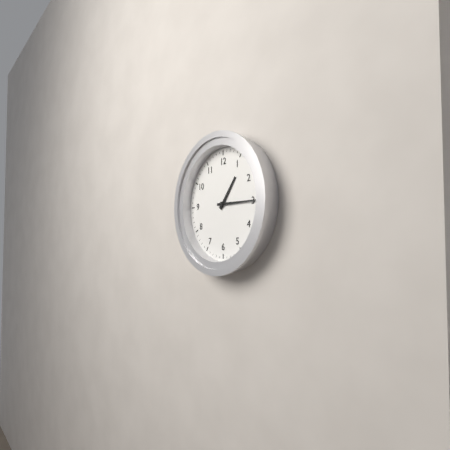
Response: 1:15
